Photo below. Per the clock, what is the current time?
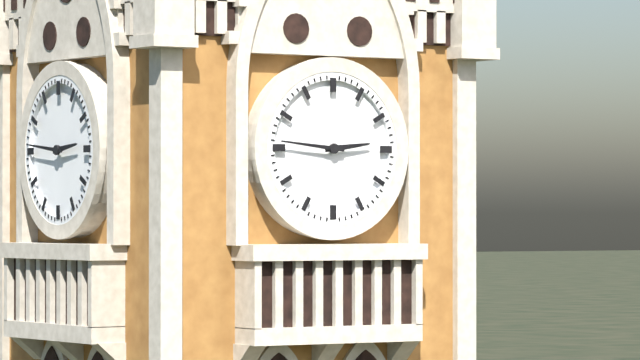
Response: 2:46
